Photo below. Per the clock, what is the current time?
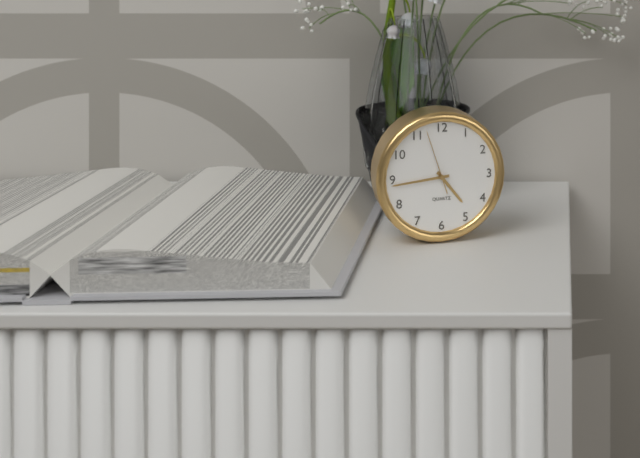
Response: 4:44:57
